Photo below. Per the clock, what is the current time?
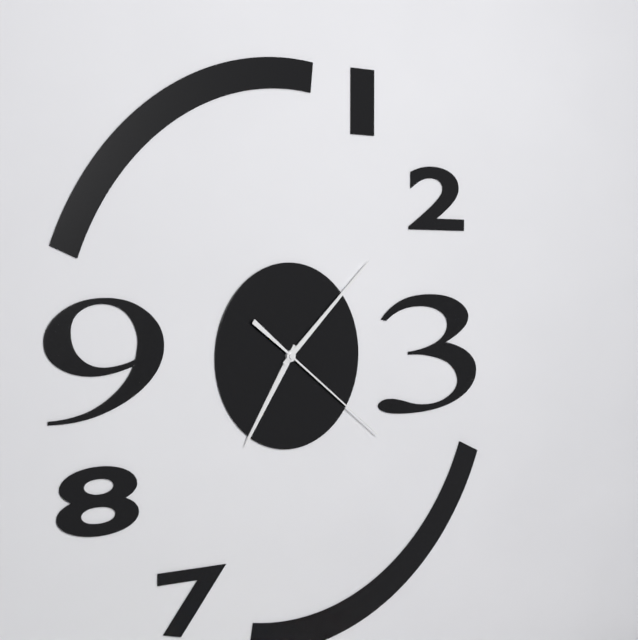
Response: 7:08:21
